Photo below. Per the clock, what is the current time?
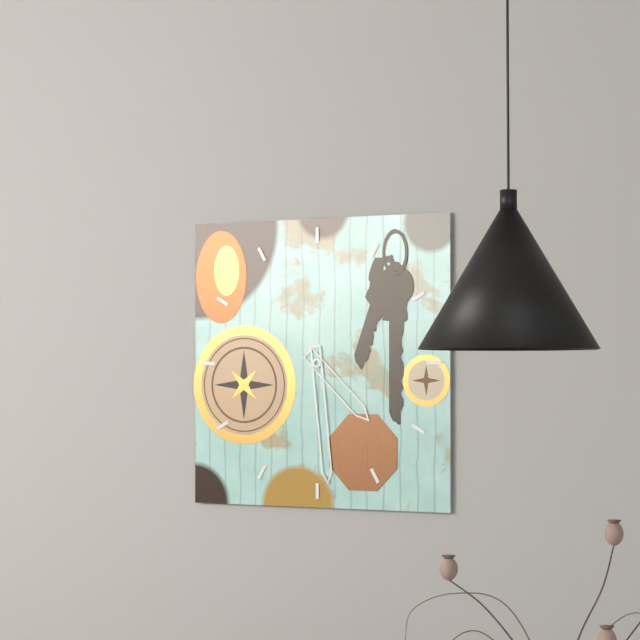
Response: 4:29
